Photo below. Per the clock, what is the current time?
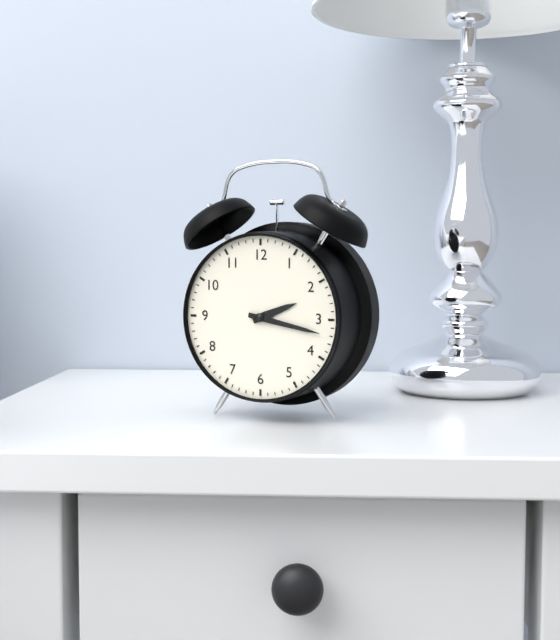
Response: 2:17
